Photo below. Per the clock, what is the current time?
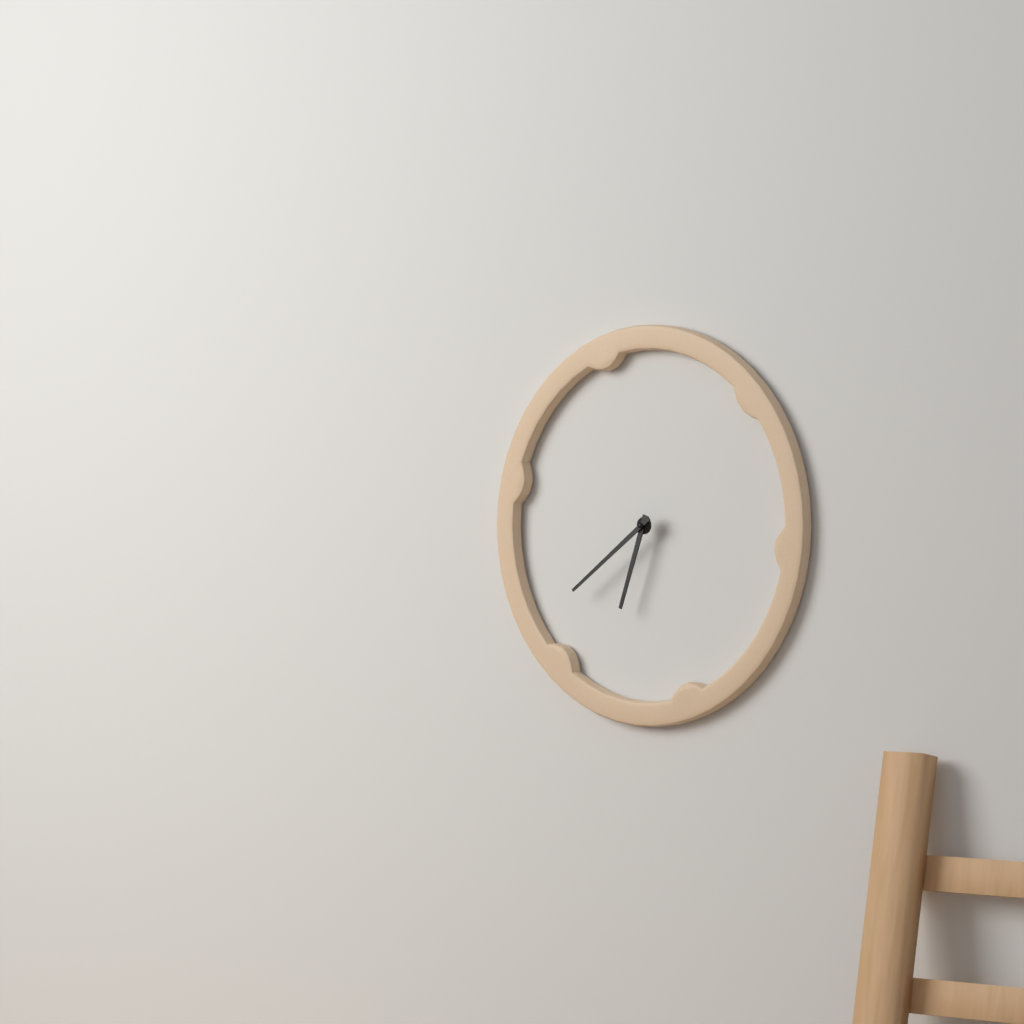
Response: 6:39
